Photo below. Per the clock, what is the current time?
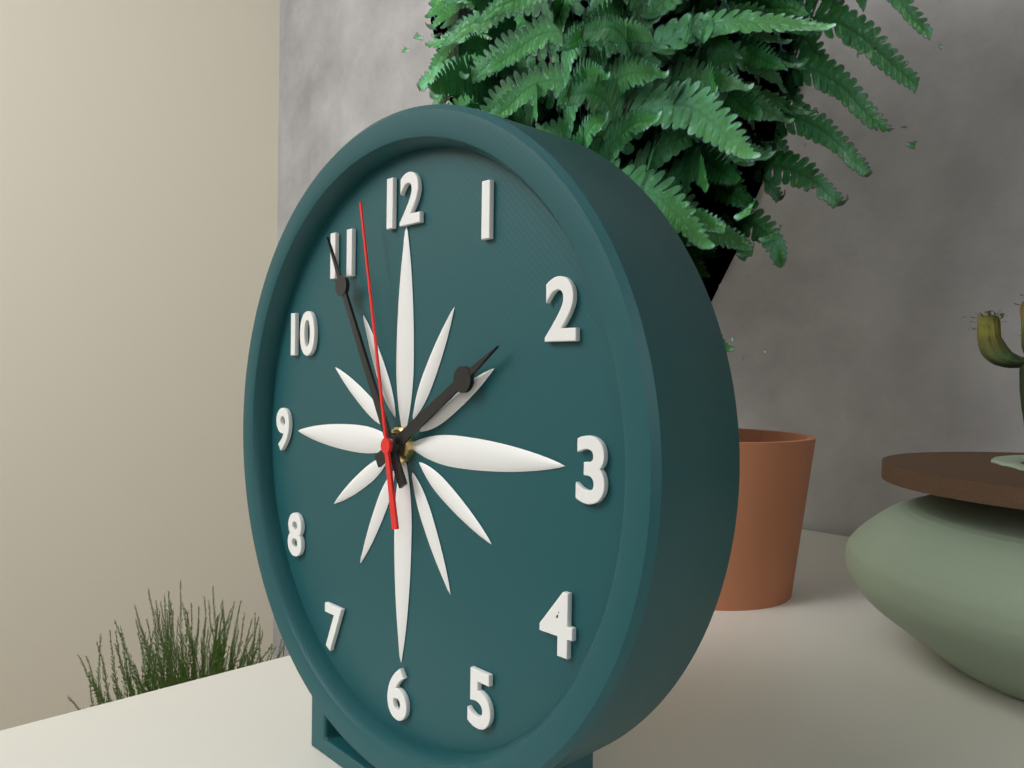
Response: 1:55:58
